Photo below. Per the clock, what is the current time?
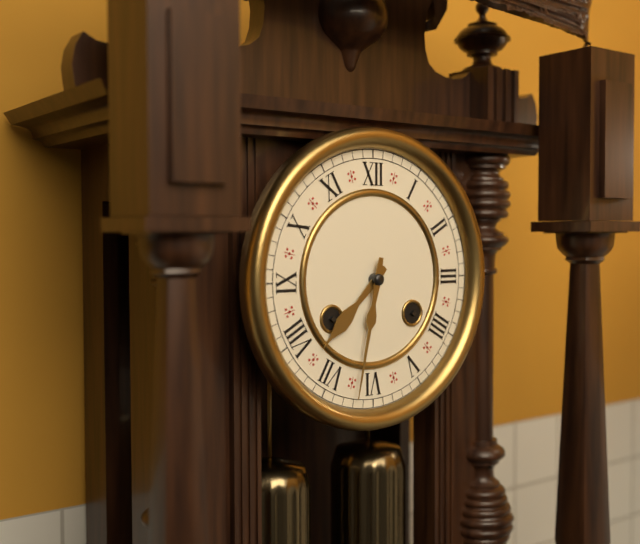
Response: 7:32
